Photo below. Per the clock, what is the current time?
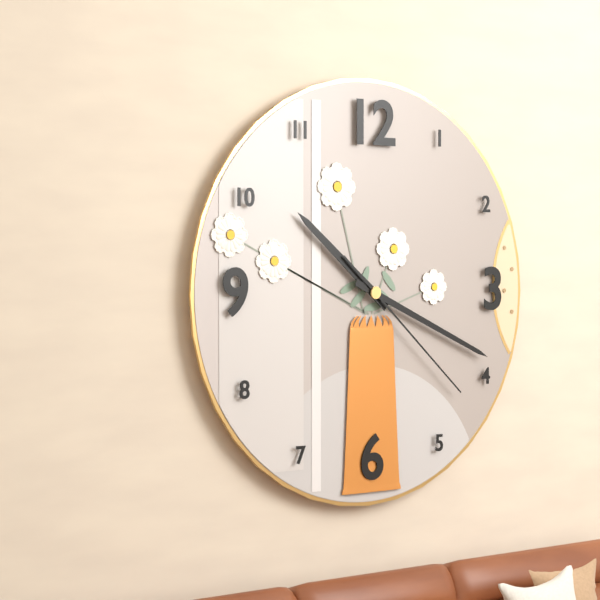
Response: 10:19:22
